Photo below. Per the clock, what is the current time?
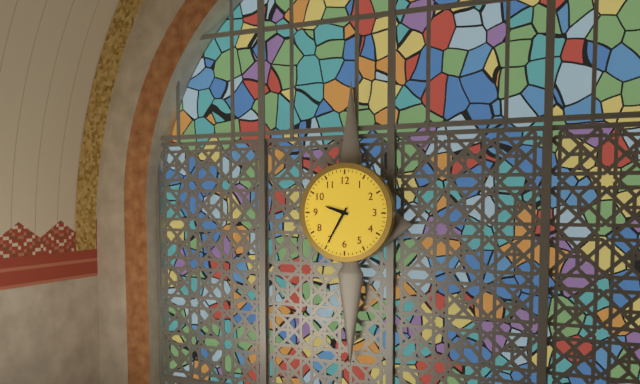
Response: 9:35
